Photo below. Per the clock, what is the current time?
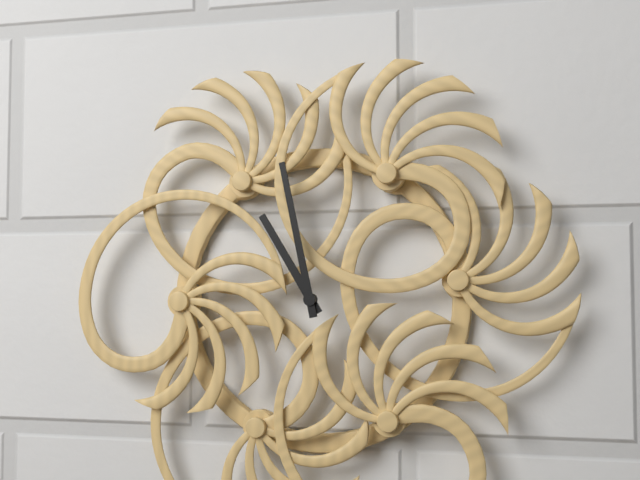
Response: 10:58
